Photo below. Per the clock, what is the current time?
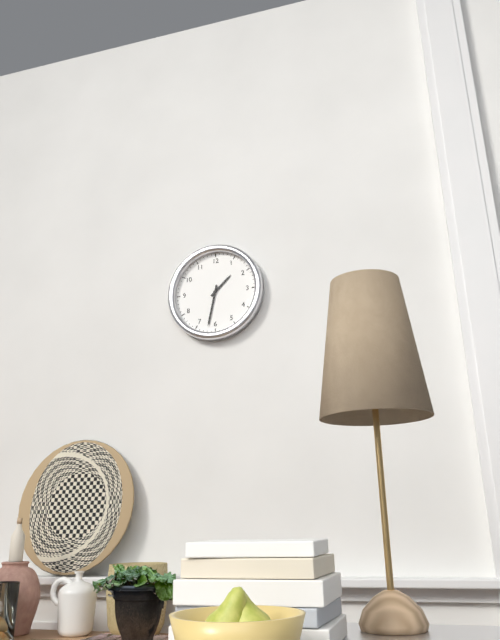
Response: 1:32
